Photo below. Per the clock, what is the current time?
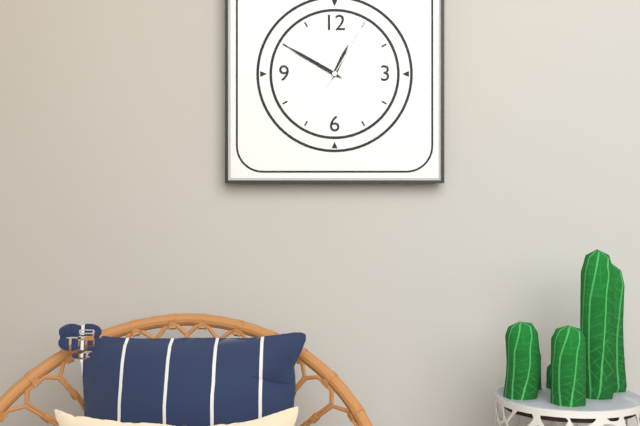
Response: 12:50:05
